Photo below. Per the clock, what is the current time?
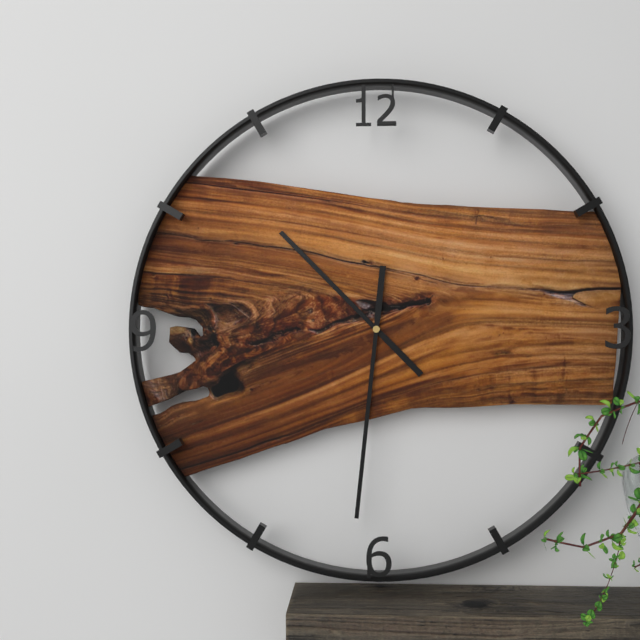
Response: 10:31
